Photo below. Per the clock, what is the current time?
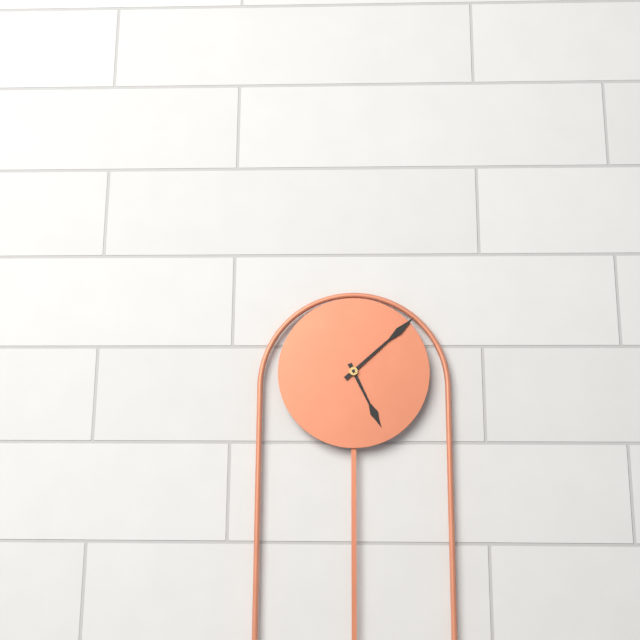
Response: 5:08
